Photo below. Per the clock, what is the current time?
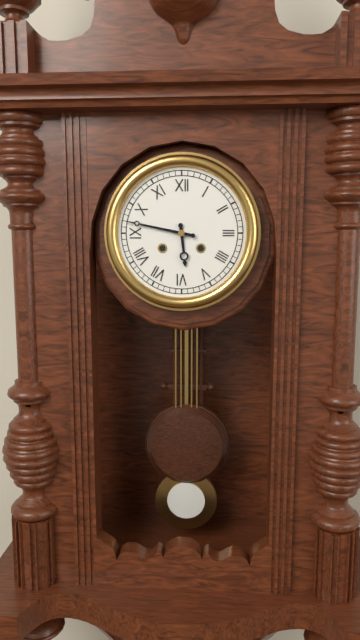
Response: 5:47
